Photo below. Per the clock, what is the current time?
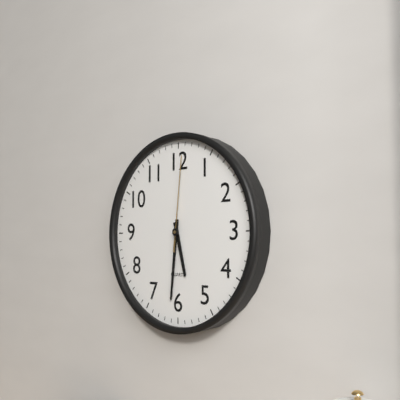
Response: 5:31:01
